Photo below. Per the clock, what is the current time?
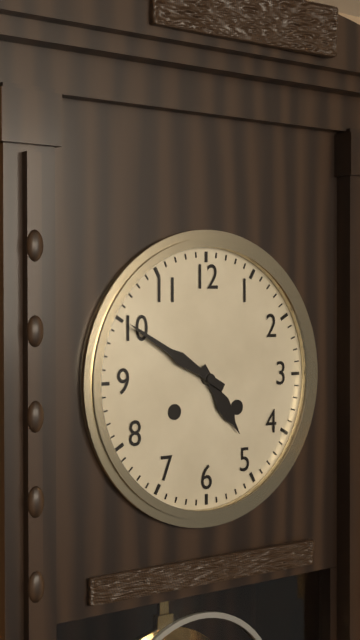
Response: 4:50
